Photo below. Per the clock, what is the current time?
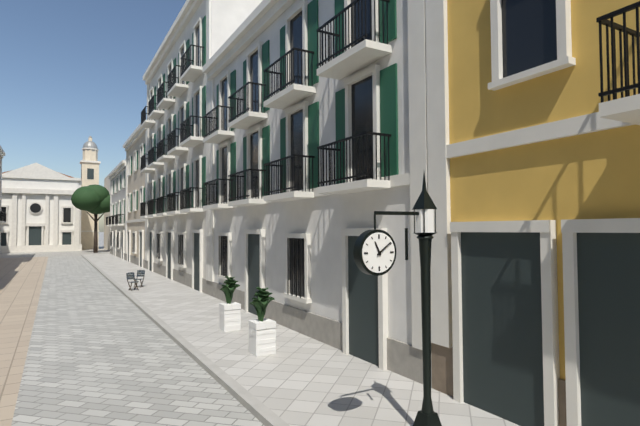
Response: 11:09
